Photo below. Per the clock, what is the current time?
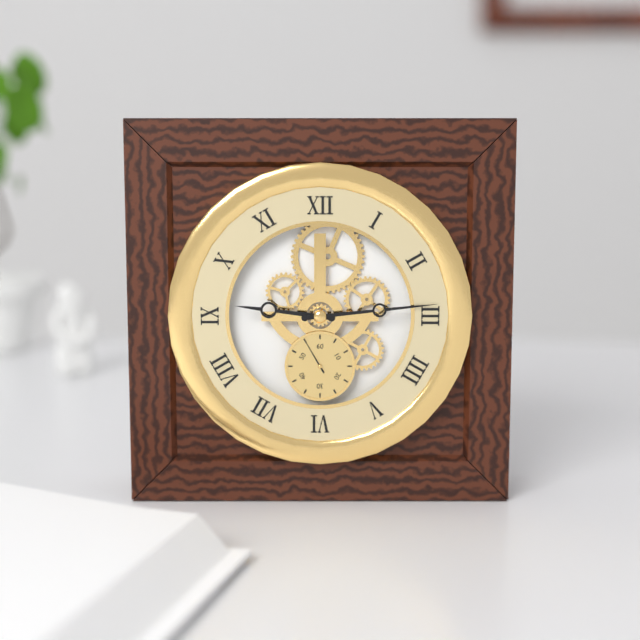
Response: 9:14
